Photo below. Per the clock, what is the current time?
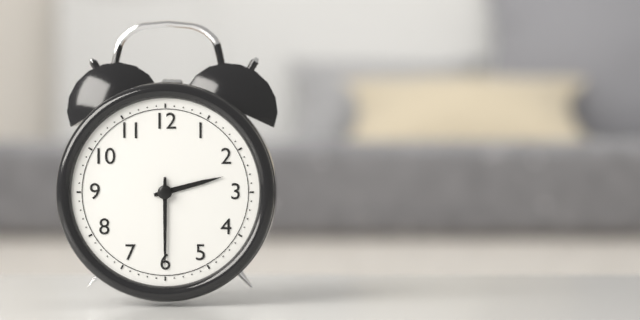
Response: 2:30
